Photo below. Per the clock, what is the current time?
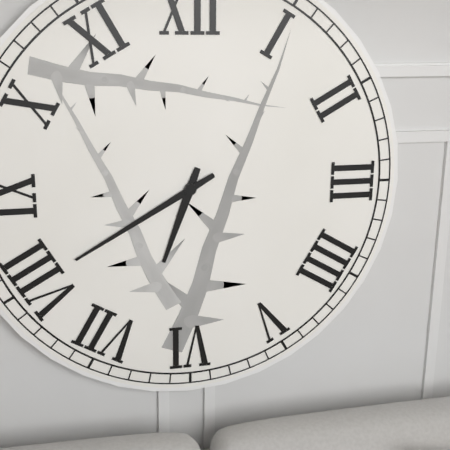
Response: 6:40
